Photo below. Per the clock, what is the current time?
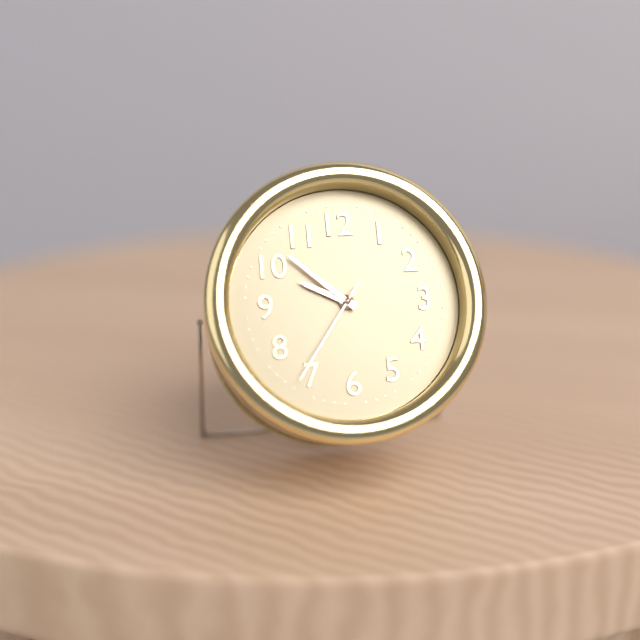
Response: 9:52:36
